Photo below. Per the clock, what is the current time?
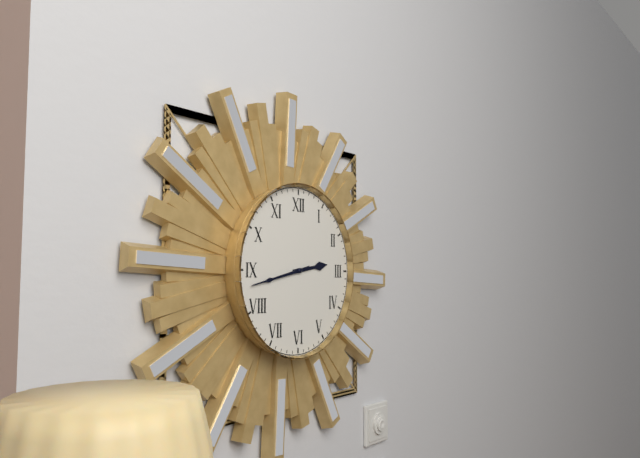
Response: 2:43
